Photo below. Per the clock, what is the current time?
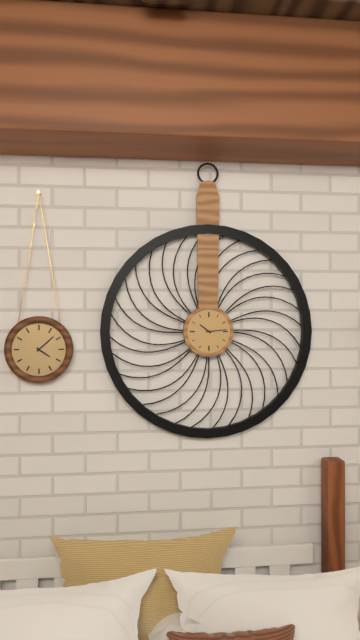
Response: 10:14
